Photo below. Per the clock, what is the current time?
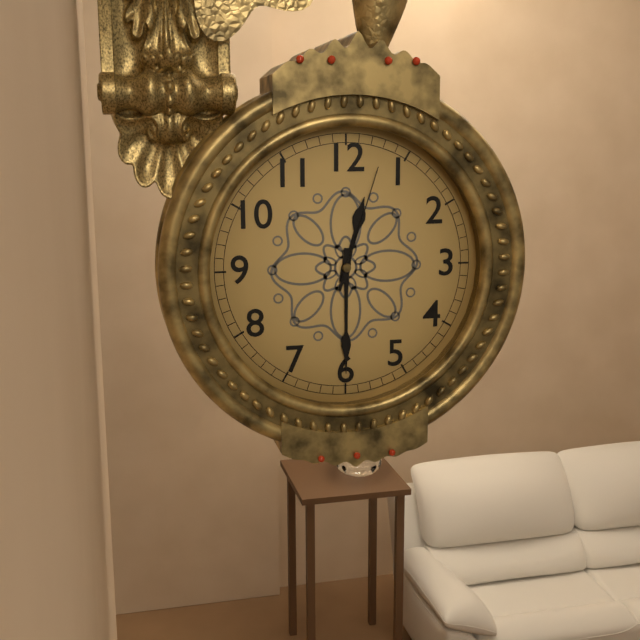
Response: 12:30:03
